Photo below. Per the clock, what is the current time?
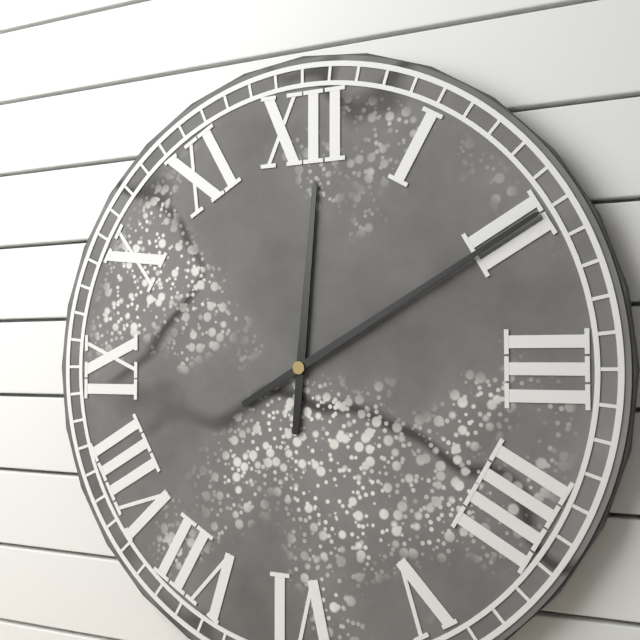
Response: 12:10
